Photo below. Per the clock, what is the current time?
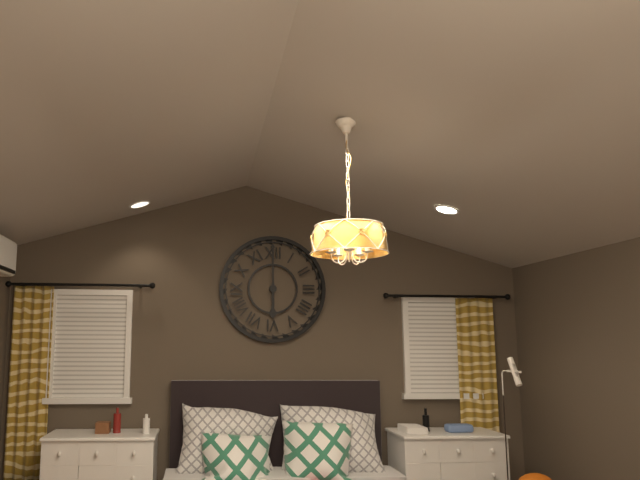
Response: 6:00
